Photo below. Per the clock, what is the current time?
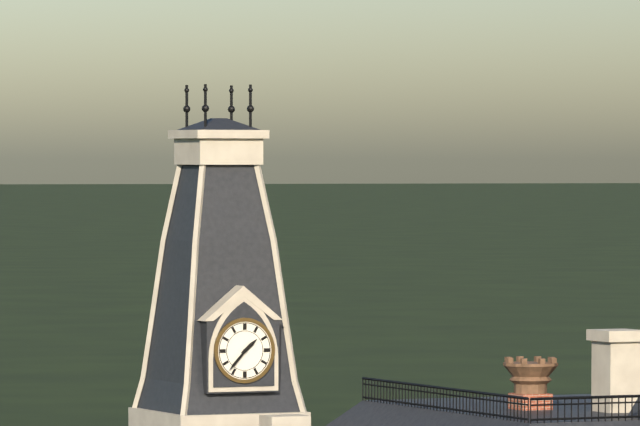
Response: 1:37
